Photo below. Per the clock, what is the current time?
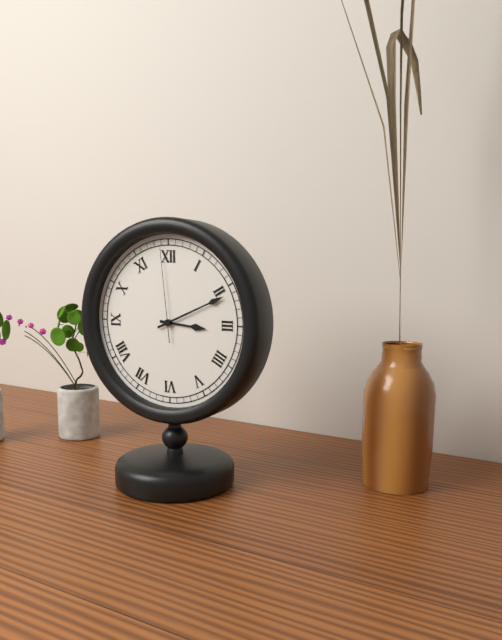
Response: 3:11:59
